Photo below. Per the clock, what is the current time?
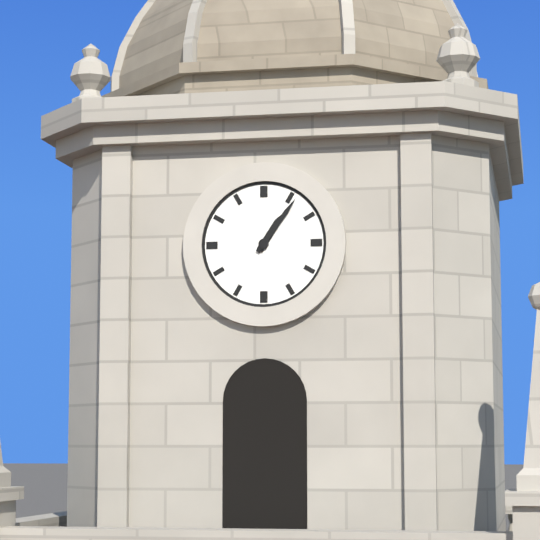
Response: 1:06
